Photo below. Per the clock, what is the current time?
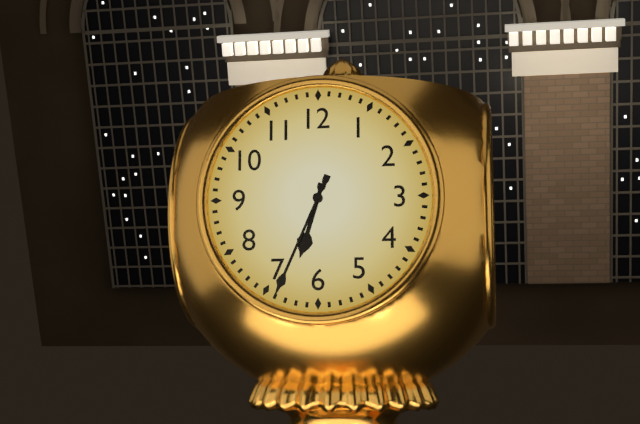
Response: 6:34
